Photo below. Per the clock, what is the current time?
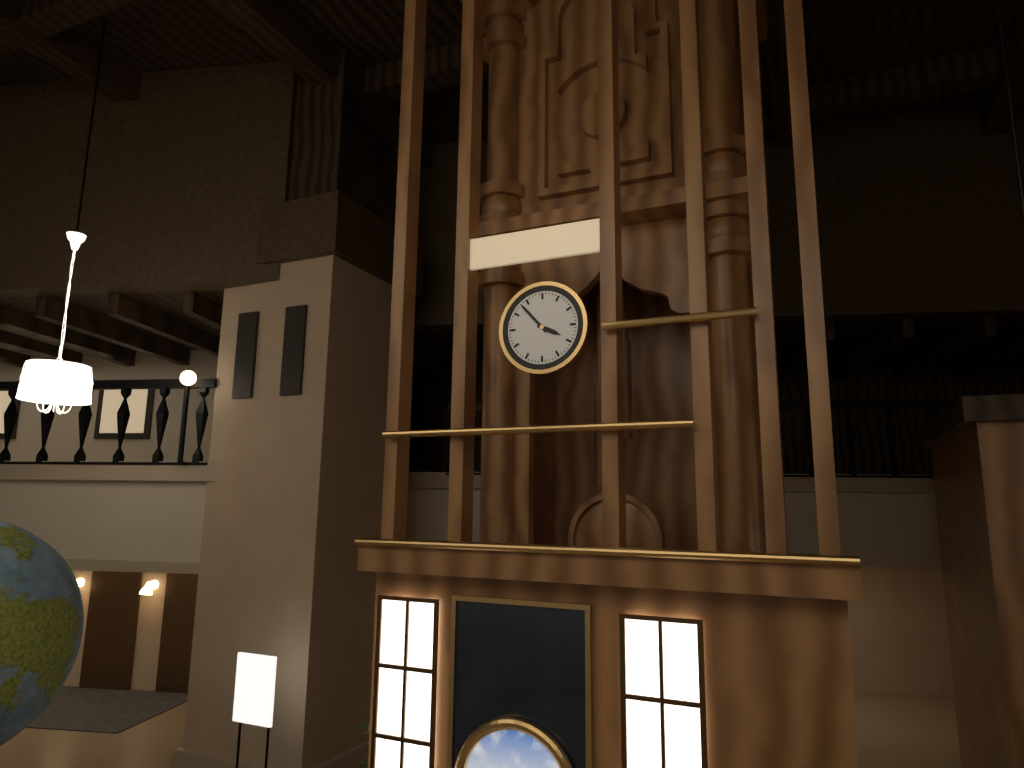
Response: 3:53
